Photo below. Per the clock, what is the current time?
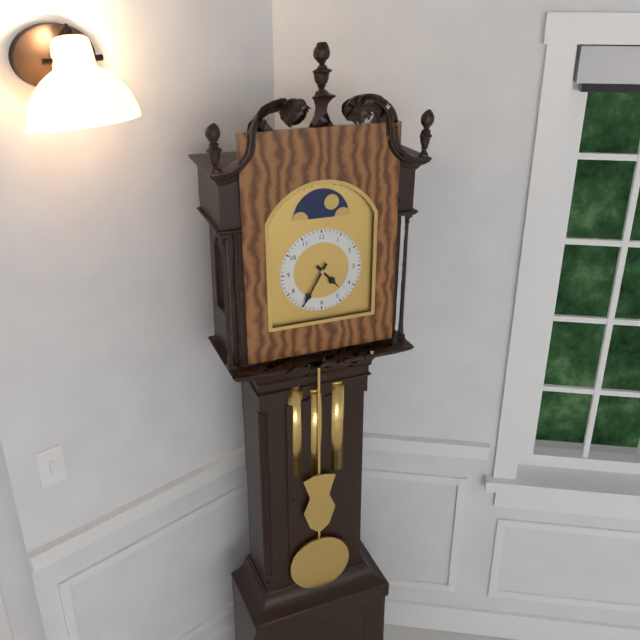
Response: 4:35
